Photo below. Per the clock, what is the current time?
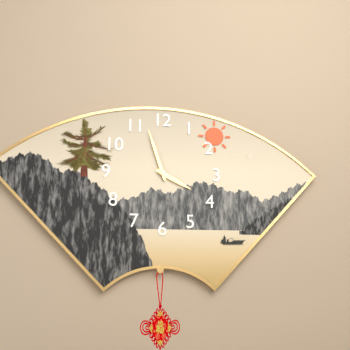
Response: 3:57
